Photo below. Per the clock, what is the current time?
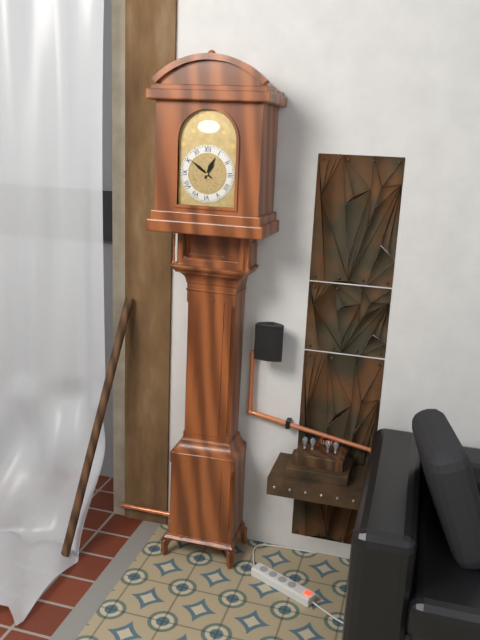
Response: 12:51
